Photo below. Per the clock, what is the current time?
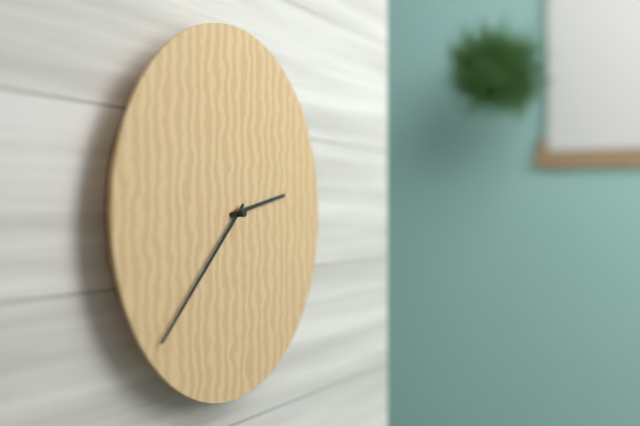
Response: 2:38
